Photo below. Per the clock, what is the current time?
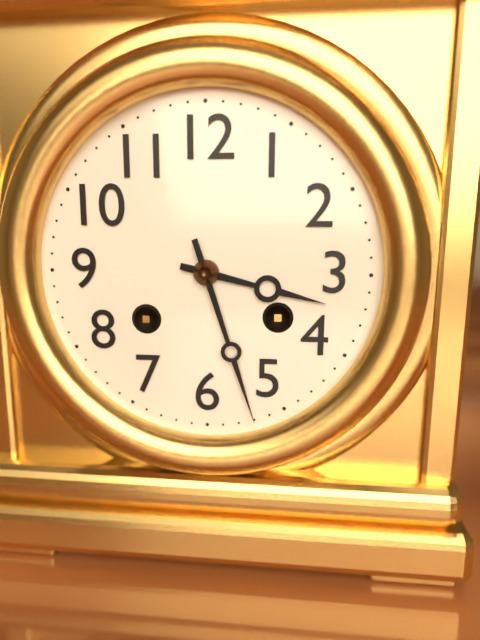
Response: 3:27
